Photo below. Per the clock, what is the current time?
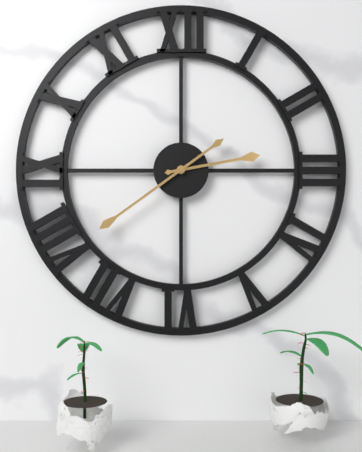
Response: 2:39
